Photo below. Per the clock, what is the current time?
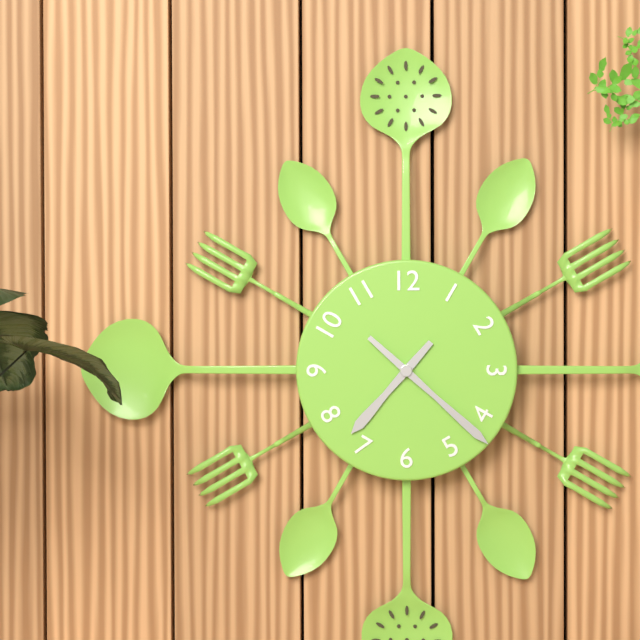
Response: 7:22
